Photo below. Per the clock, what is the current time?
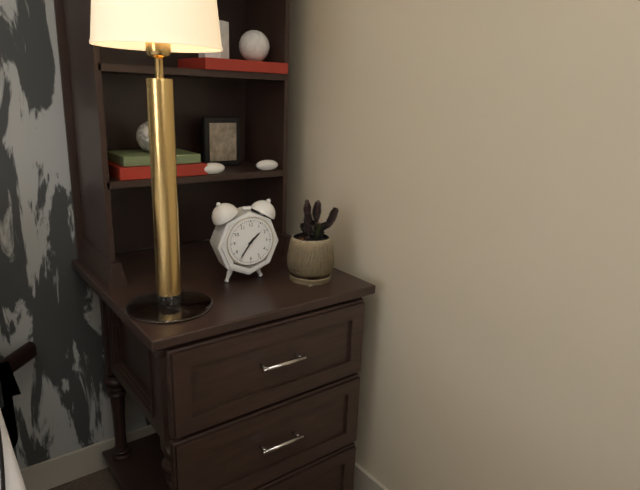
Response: 1:36
